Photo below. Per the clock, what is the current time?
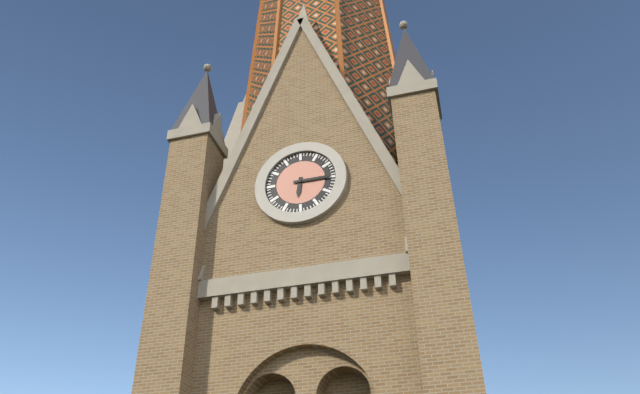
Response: 6:15
